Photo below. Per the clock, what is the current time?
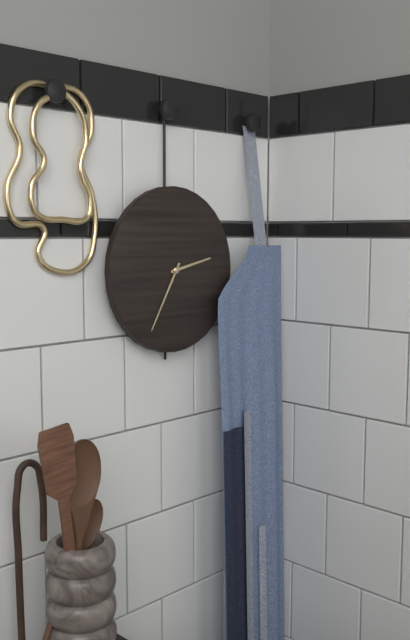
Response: 2:35
